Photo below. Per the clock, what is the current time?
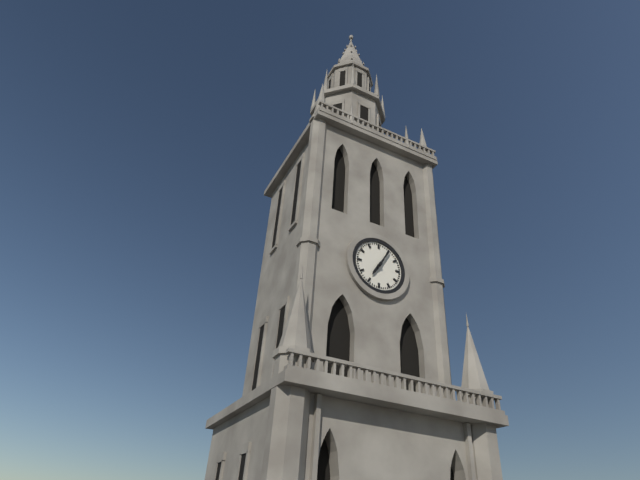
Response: 7:05
